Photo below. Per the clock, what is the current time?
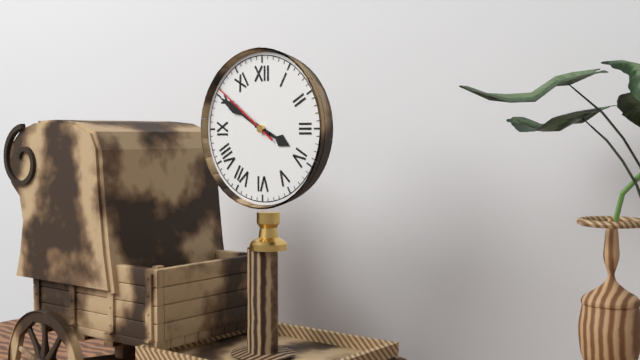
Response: 3:50:51
